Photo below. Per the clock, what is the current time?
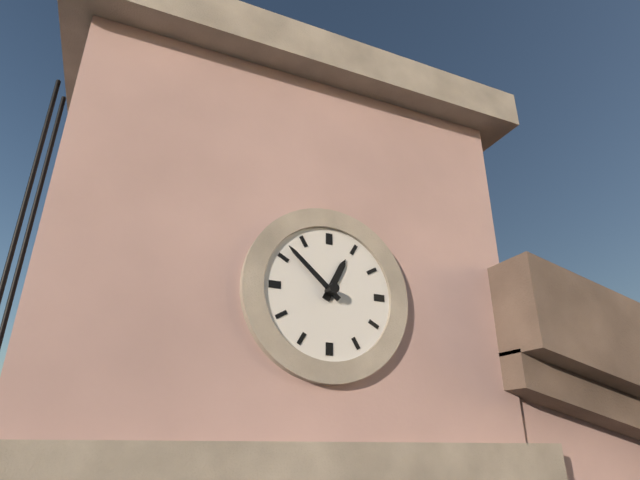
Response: 12:52
